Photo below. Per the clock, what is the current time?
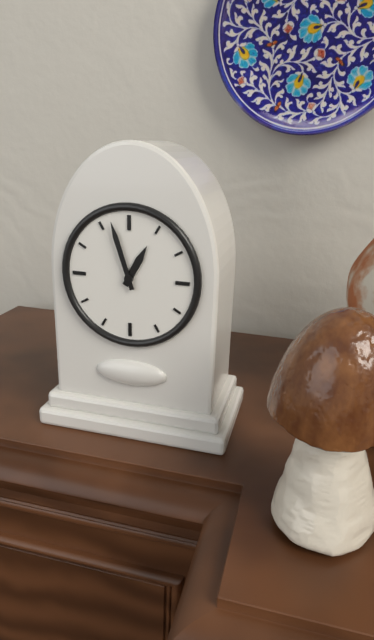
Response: 12:57
